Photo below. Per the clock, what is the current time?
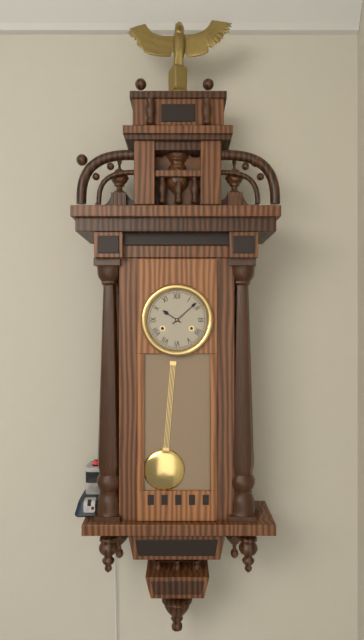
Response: 10:08
